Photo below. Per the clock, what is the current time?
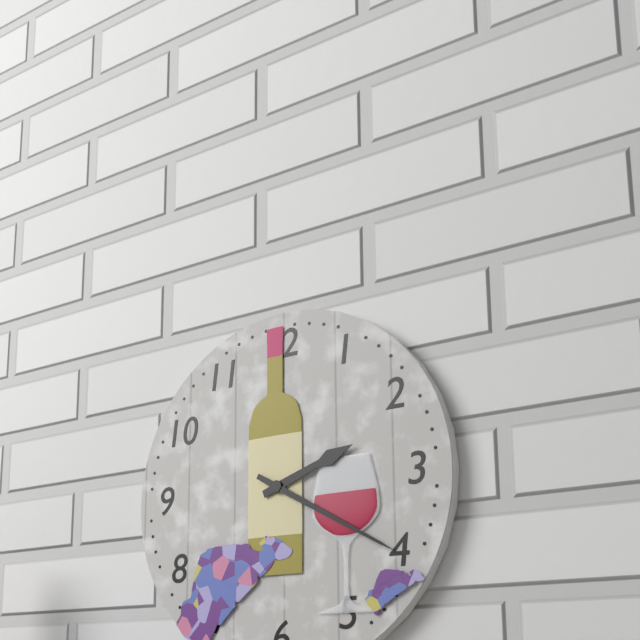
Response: 2:20
